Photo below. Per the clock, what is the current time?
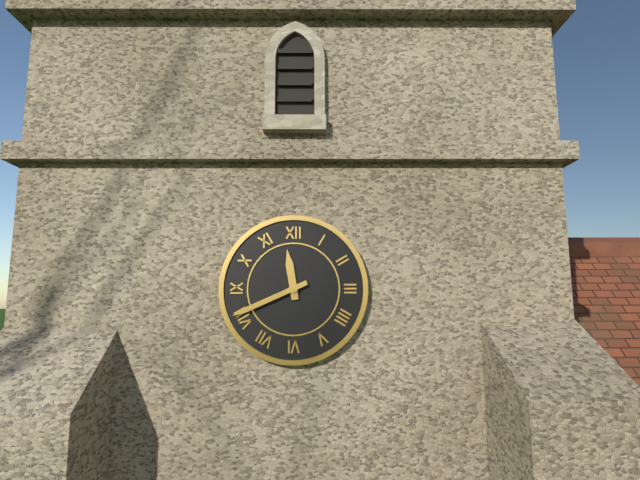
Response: 11:41
